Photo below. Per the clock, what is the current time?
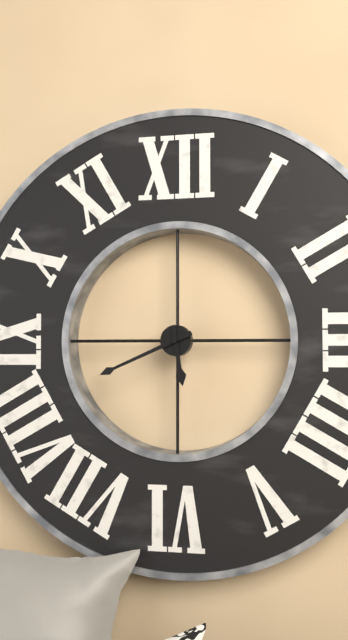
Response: 5:41
